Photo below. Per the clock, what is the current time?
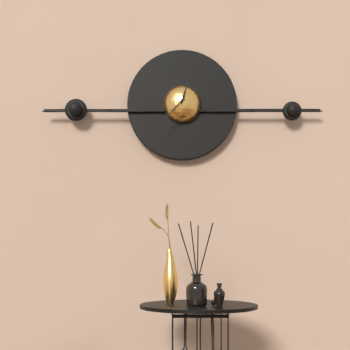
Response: 12:37
